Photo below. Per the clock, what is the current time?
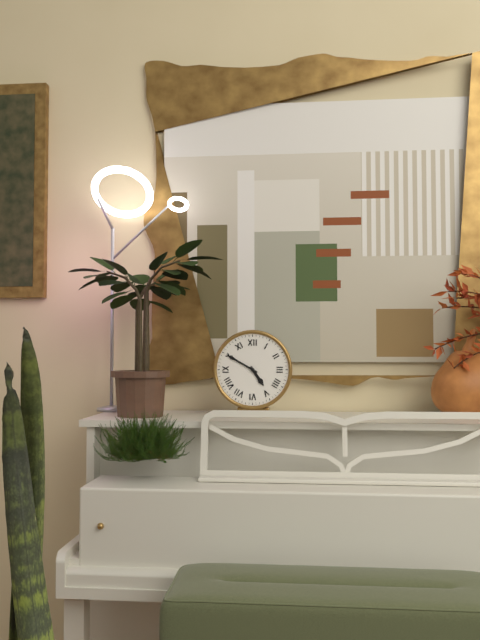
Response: 4:50
